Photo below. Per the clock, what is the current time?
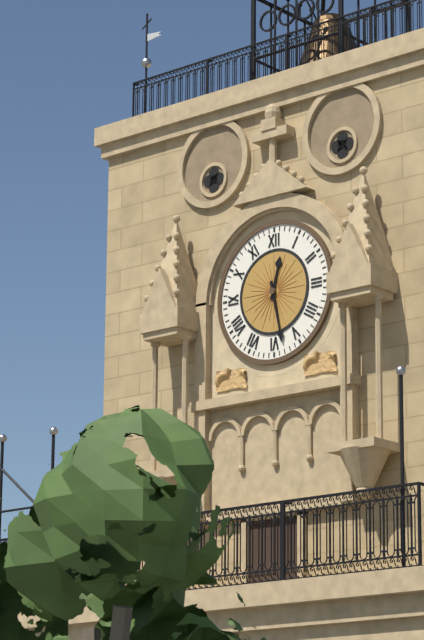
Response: 12:28
